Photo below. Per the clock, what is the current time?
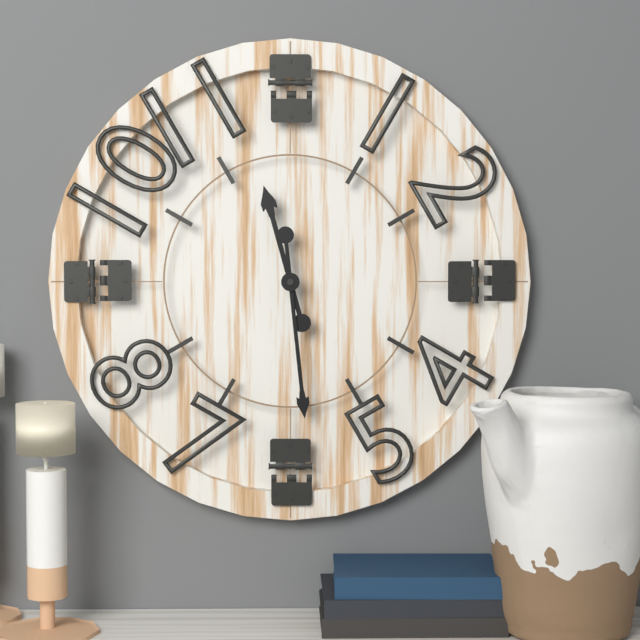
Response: 11:29
